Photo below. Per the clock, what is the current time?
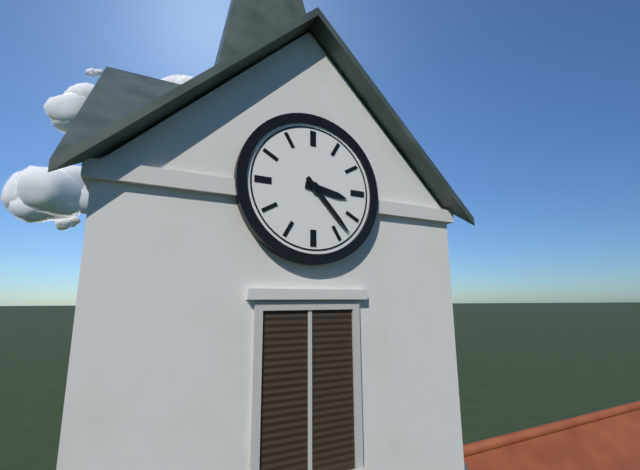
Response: 3:23
